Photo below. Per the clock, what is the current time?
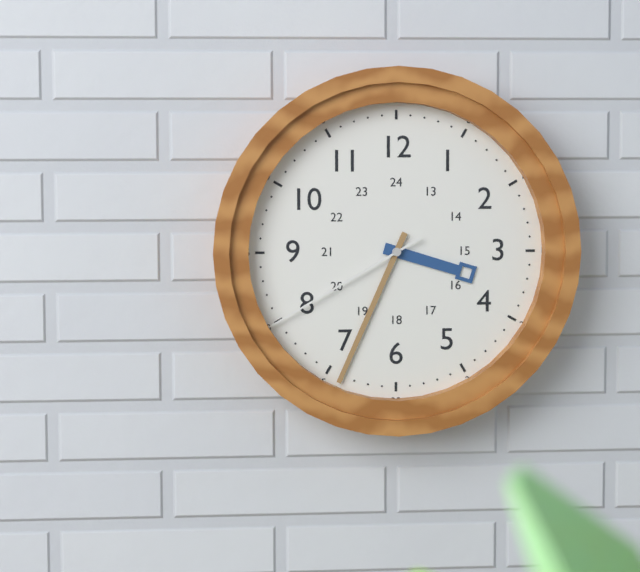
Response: 3:34:40
